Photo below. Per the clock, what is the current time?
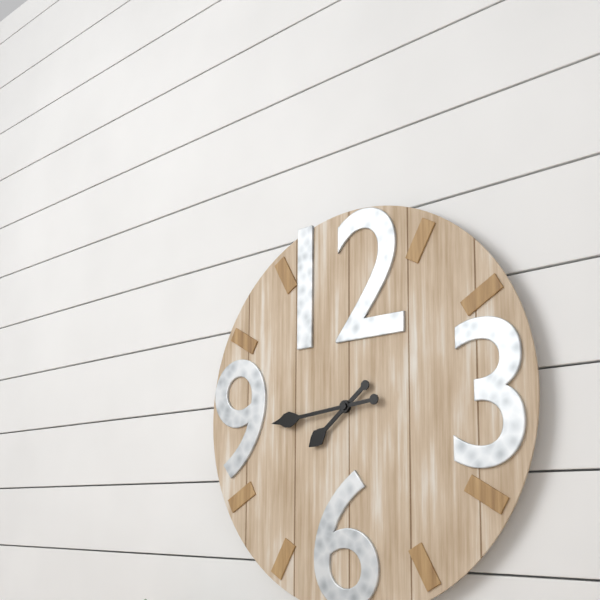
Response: 7:44
